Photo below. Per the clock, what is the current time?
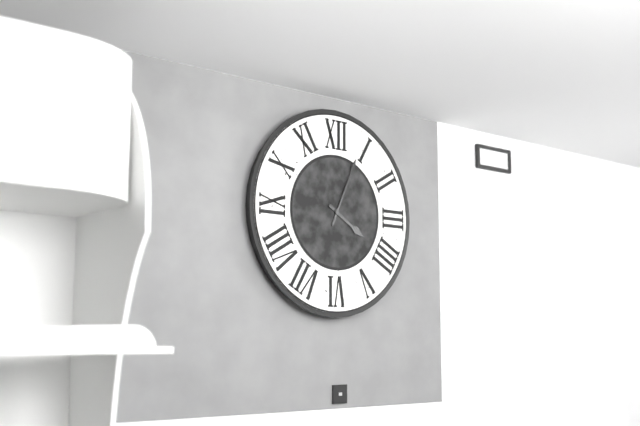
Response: 4:04
